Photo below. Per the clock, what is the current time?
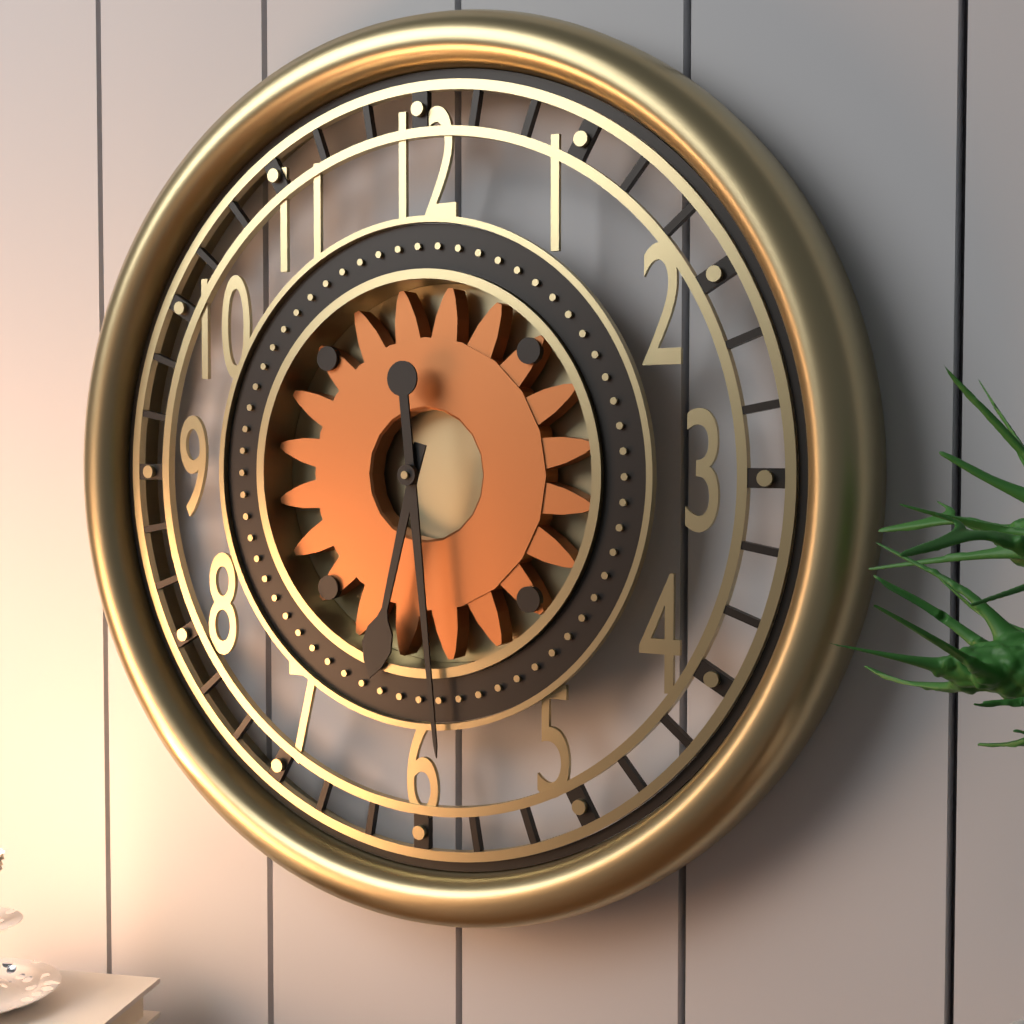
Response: 6:29
